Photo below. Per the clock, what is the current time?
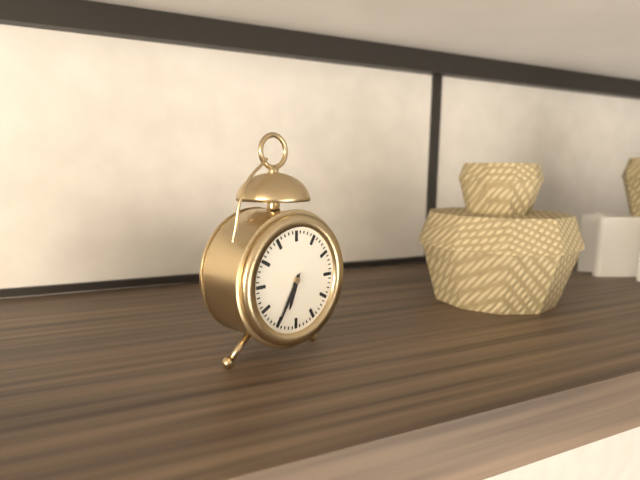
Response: 6:35
